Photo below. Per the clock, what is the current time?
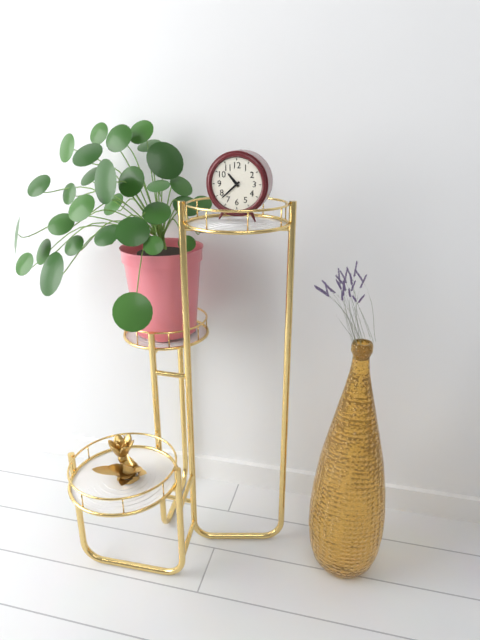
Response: 10:38
